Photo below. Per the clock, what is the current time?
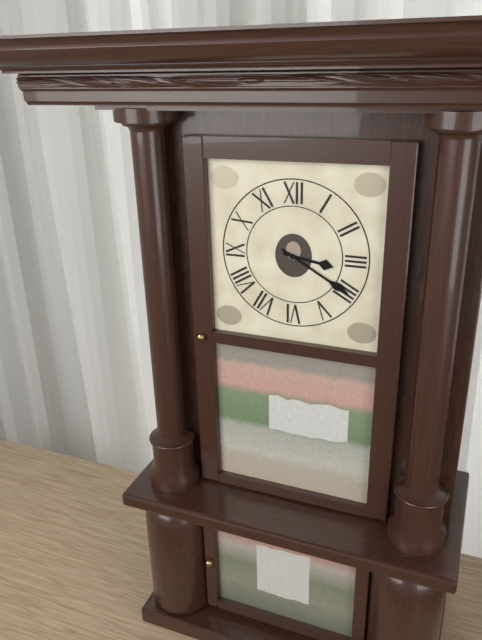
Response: 3:20
